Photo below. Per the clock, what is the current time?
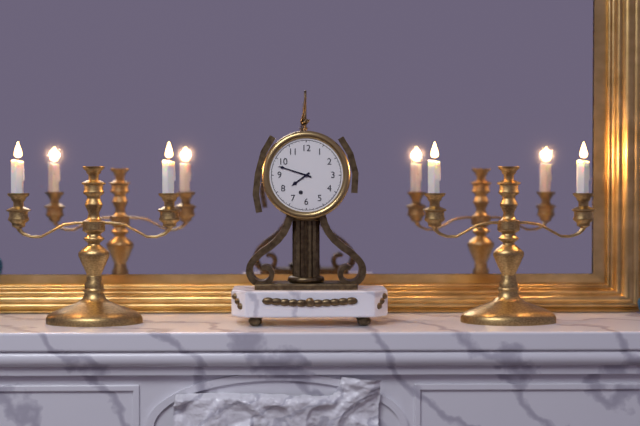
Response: 7:48
